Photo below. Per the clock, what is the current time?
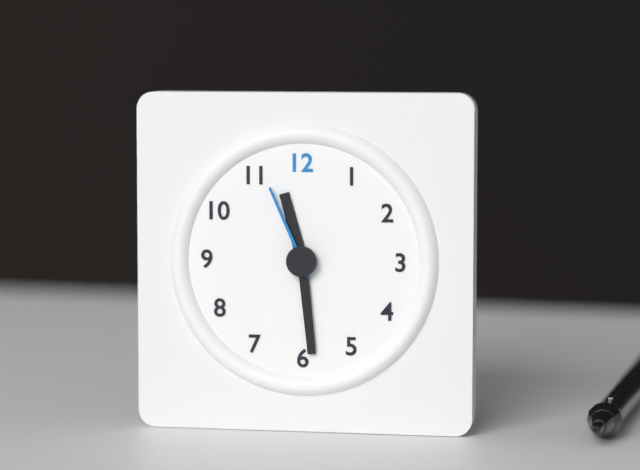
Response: 11:29:56
